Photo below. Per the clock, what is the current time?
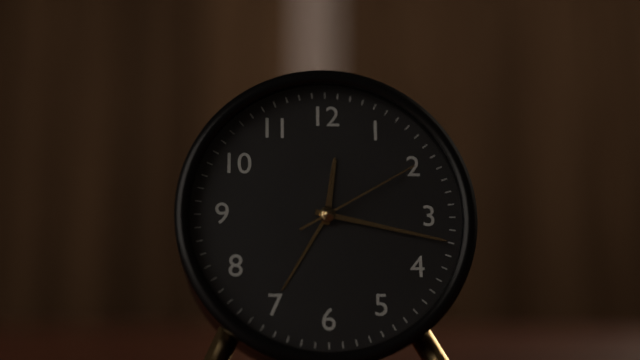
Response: 12:17:10
